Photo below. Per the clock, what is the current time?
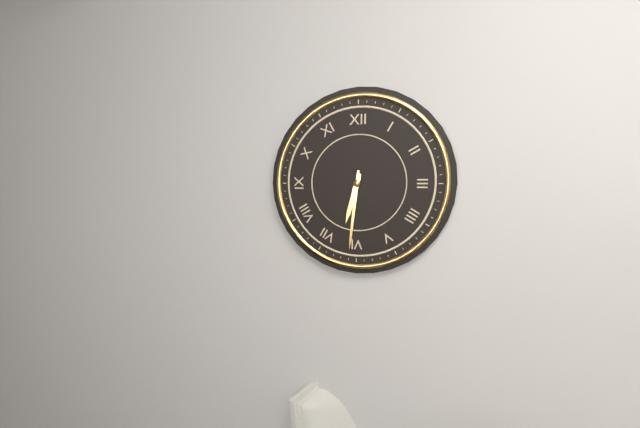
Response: 6:31
